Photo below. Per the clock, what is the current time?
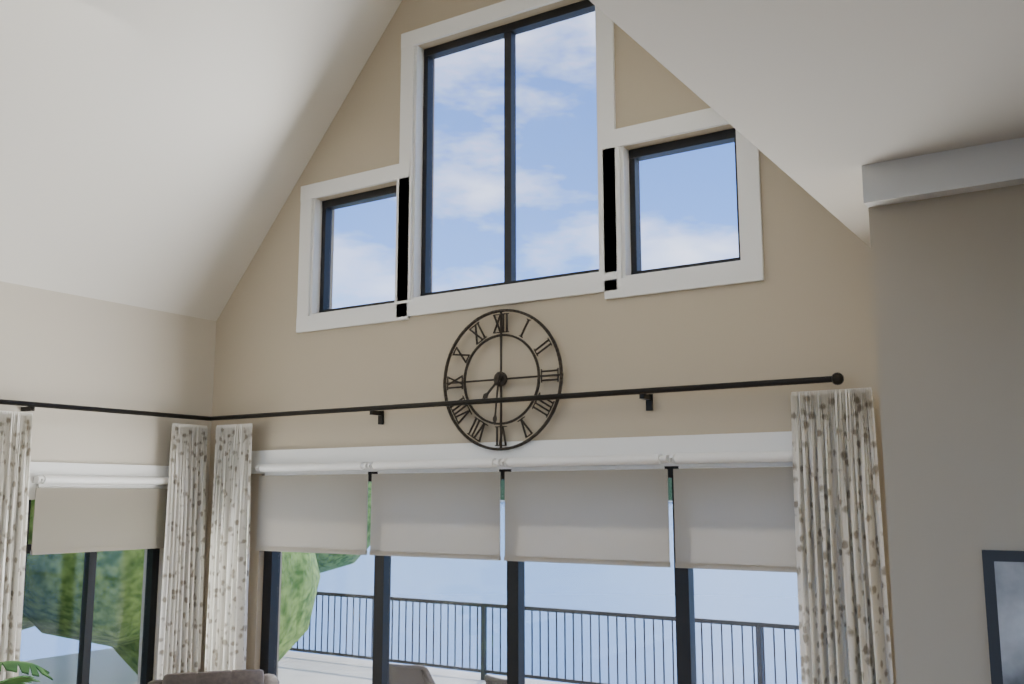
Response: 7:31
